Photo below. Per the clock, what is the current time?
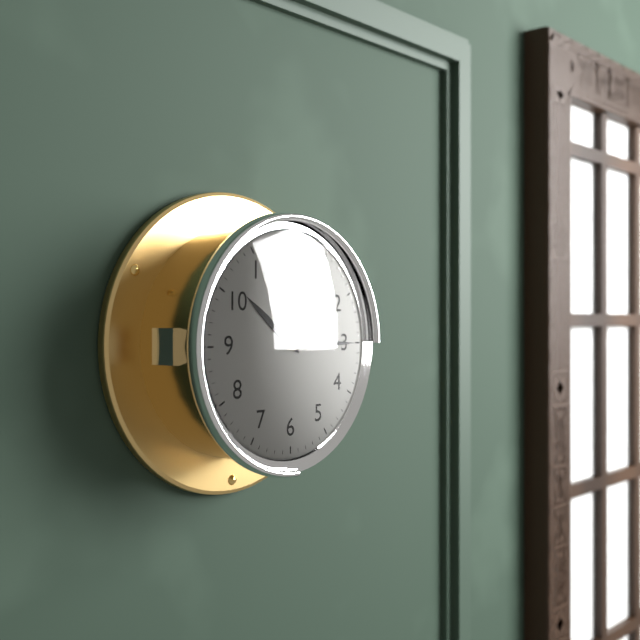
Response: 10:15
